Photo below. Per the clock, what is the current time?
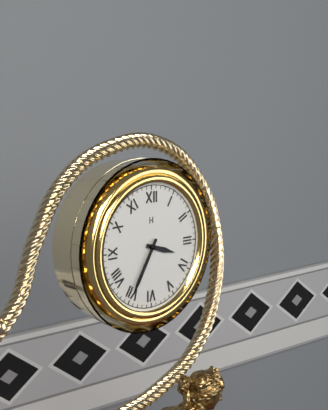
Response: 3:35
